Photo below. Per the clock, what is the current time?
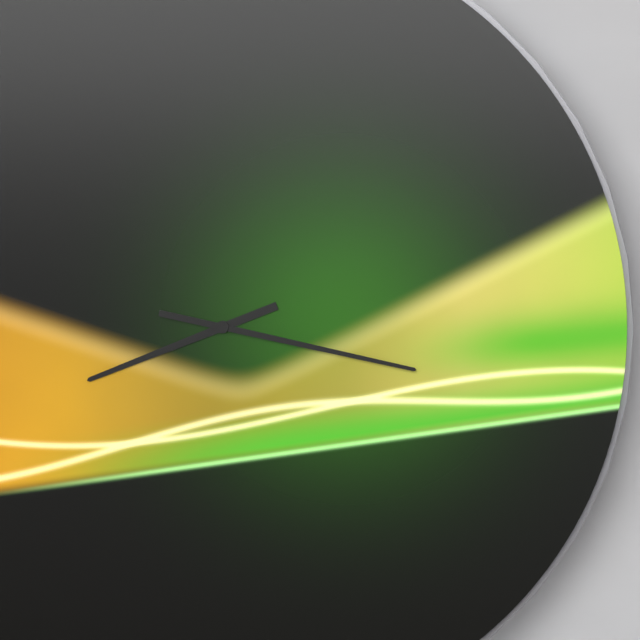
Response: 8:17
